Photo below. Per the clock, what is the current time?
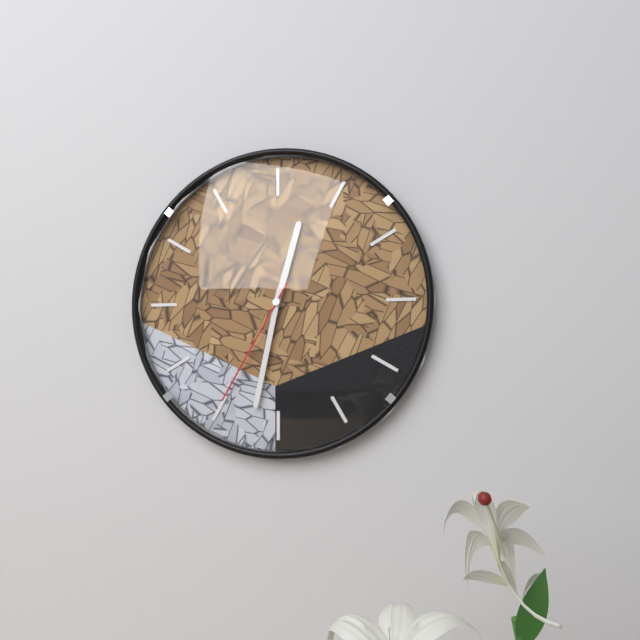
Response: 12:32:35
